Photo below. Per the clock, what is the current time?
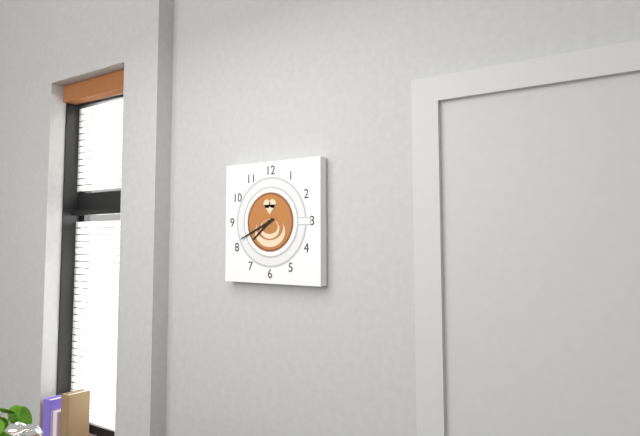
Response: 7:41
